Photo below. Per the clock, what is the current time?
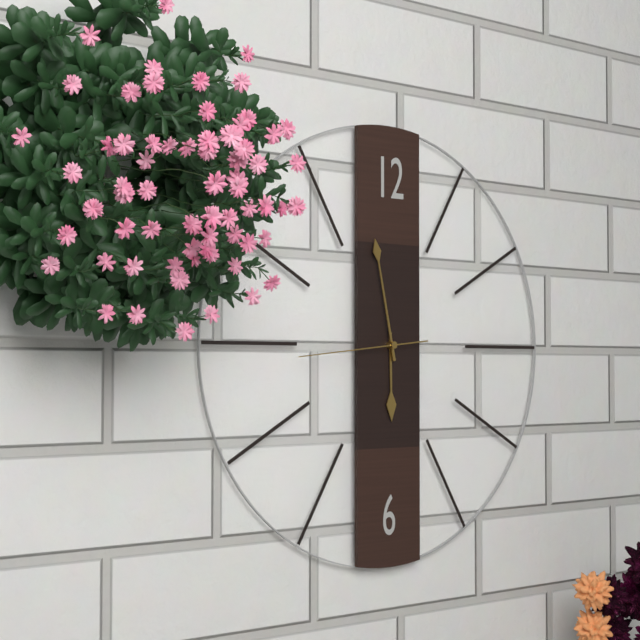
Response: 5:58:44
